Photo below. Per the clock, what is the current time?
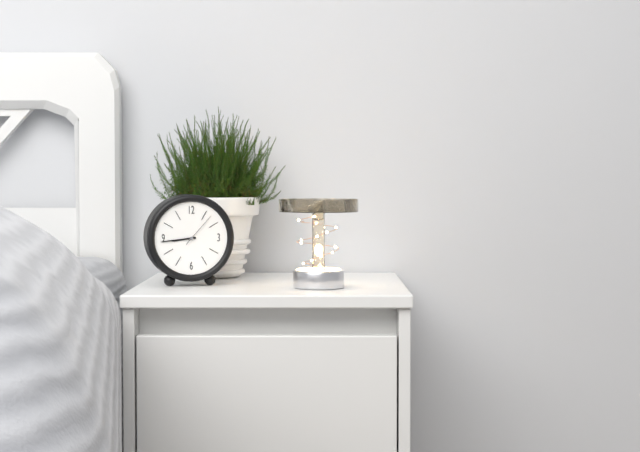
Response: 8:44
